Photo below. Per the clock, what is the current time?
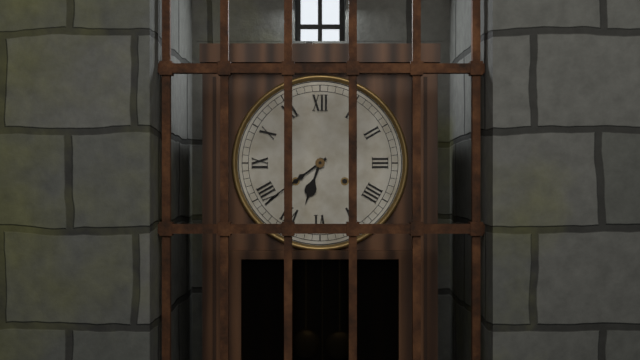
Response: 6:39
